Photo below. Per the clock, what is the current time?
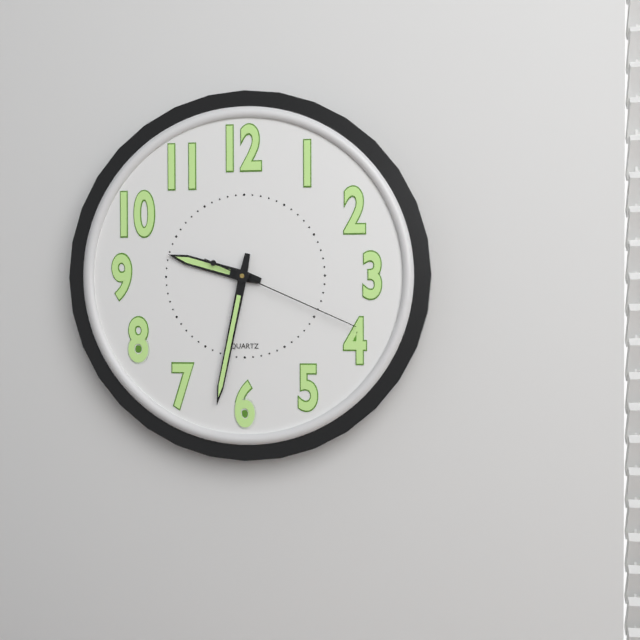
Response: 9:32:19
